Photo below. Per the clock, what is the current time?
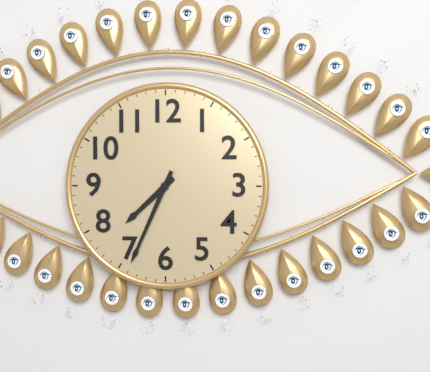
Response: 7:34
